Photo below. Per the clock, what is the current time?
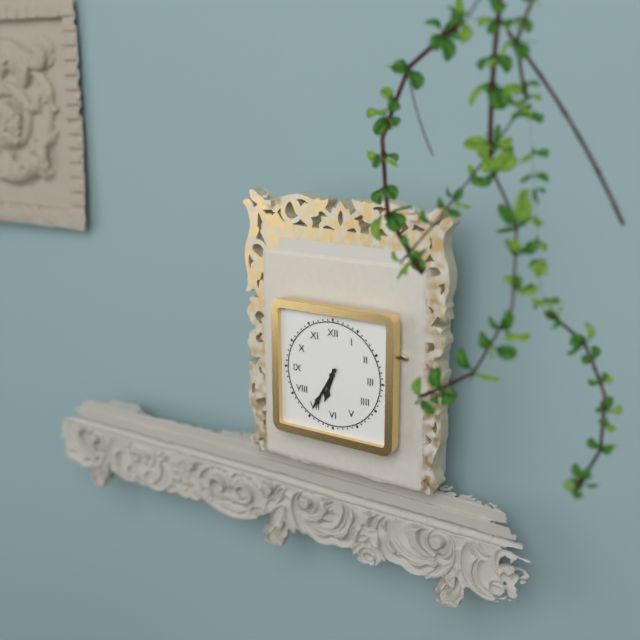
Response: 6:35
